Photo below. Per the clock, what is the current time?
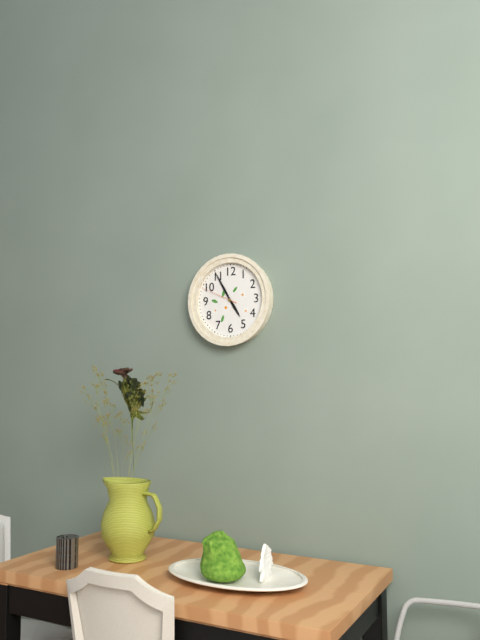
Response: 4:55
